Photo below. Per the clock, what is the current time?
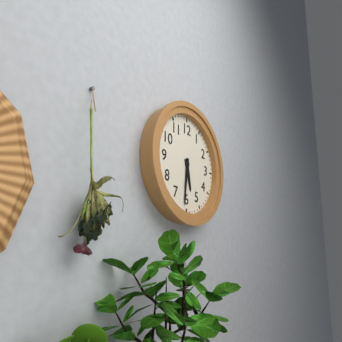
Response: 5:31
